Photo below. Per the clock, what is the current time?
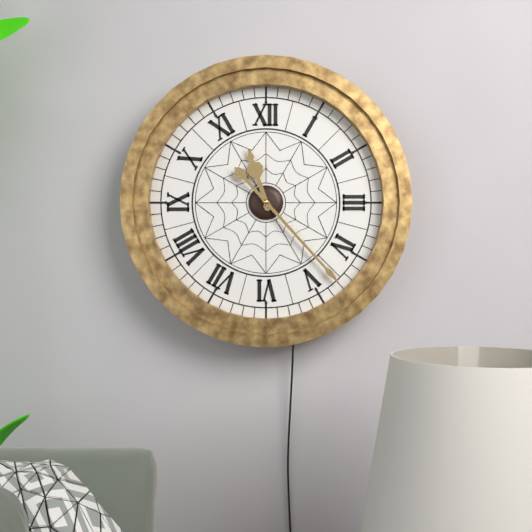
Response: 11:23
